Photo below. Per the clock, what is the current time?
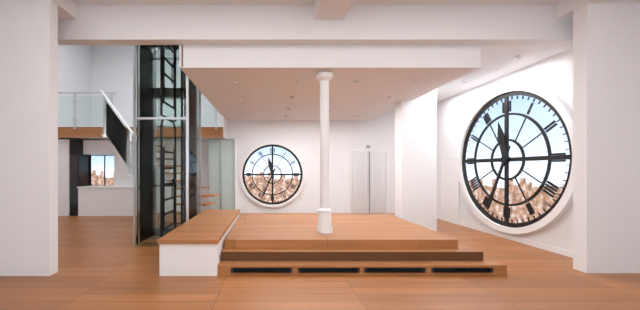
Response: 11:34
